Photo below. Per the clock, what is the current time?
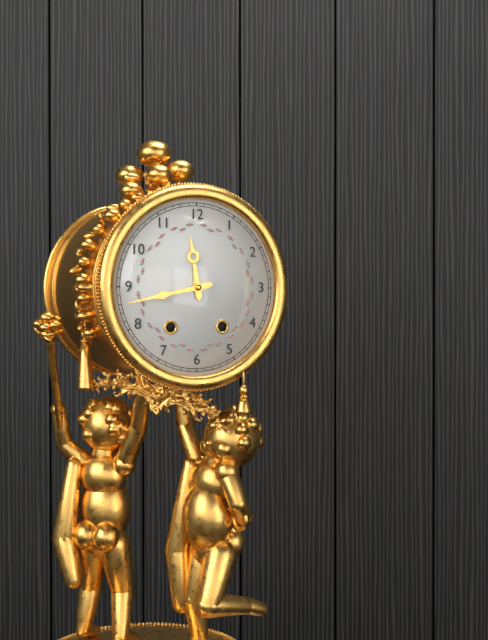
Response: 11:43
